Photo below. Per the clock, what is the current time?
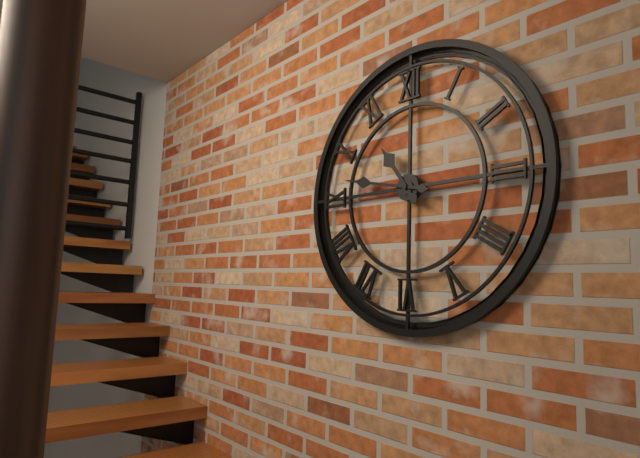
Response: 10:47
